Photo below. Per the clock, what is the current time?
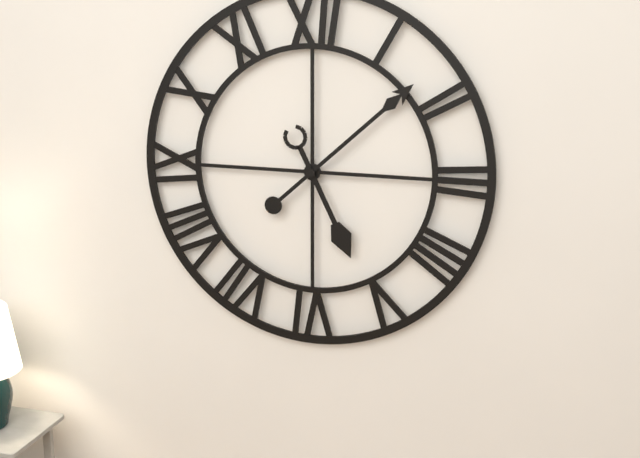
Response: 5:08
